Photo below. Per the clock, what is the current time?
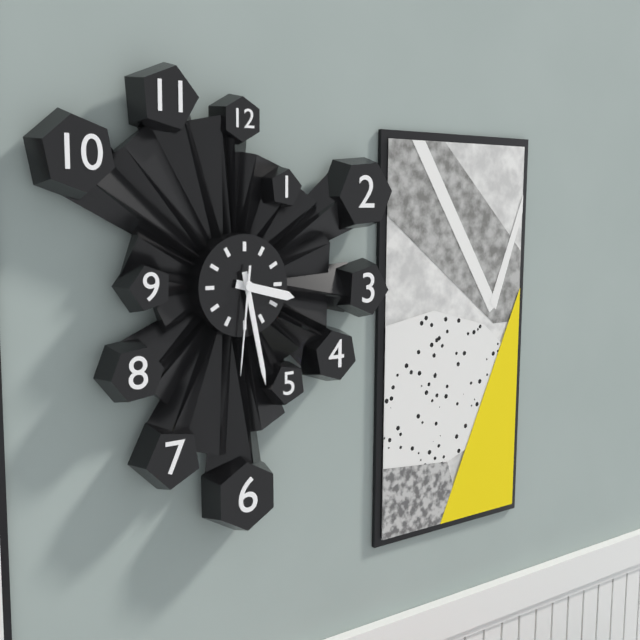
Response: 3:28:31
